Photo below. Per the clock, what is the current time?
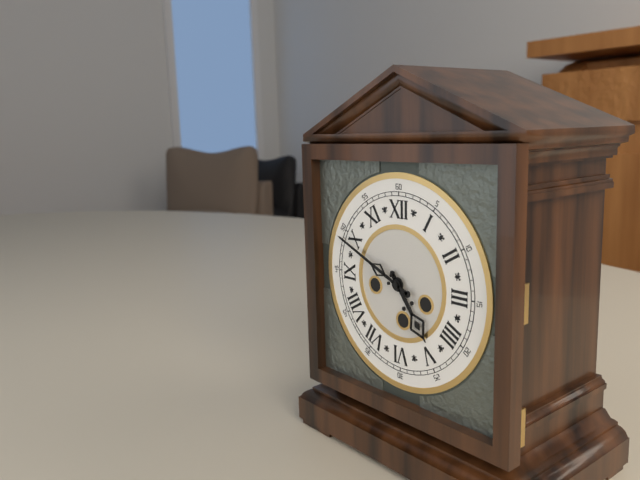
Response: 4:49
